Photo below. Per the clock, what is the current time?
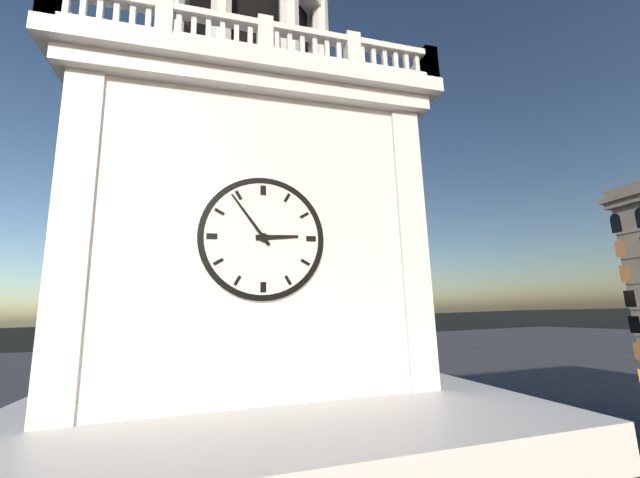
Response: 2:54
